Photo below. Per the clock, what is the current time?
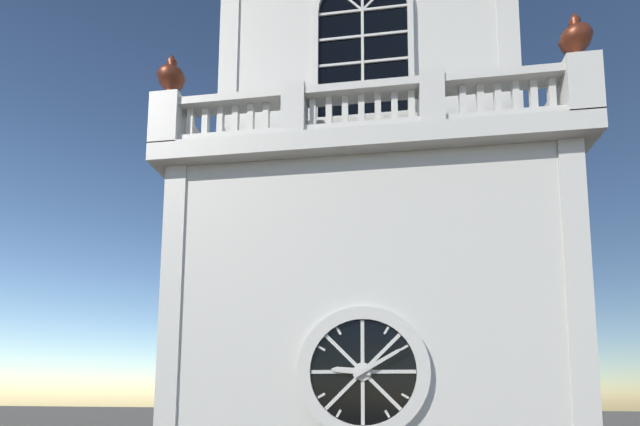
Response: 9:10
